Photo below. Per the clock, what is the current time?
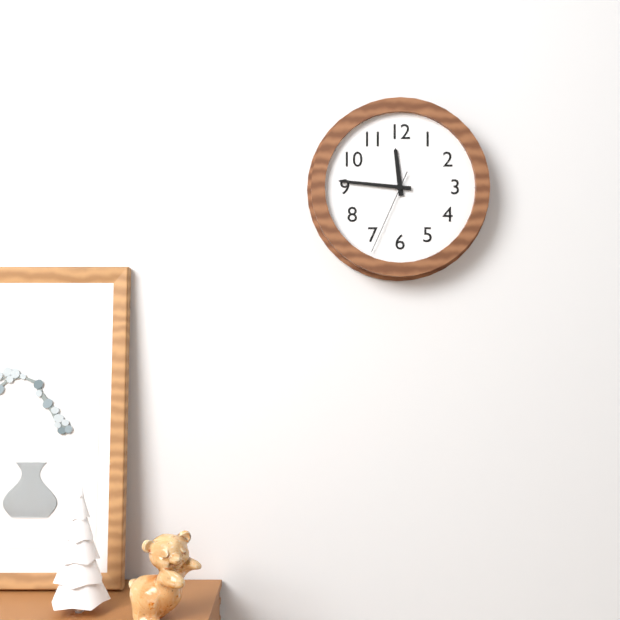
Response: 11:46:34
